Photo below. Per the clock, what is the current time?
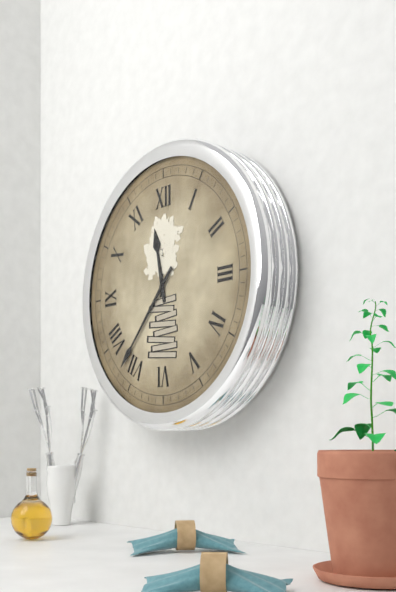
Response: 11:37
